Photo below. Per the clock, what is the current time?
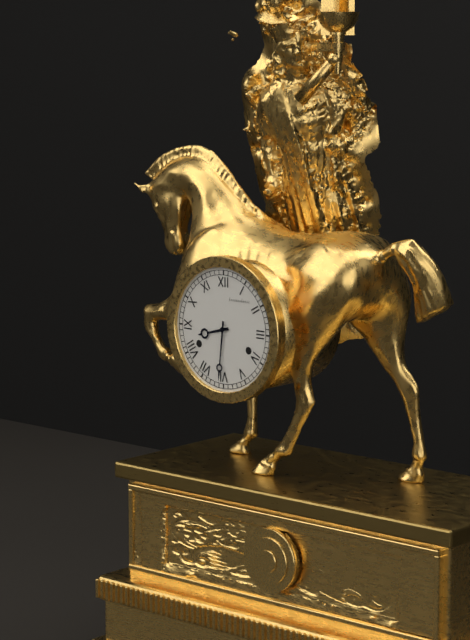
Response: 8:31
